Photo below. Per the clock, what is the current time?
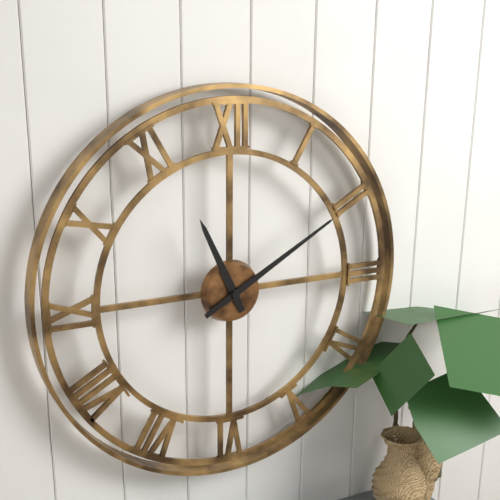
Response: 11:10
